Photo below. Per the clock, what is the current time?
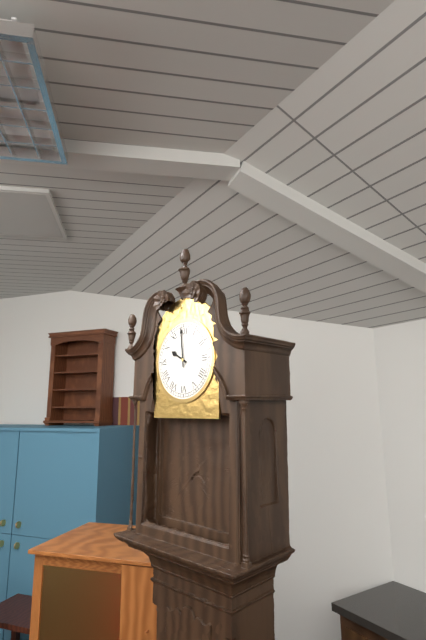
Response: 9:59
